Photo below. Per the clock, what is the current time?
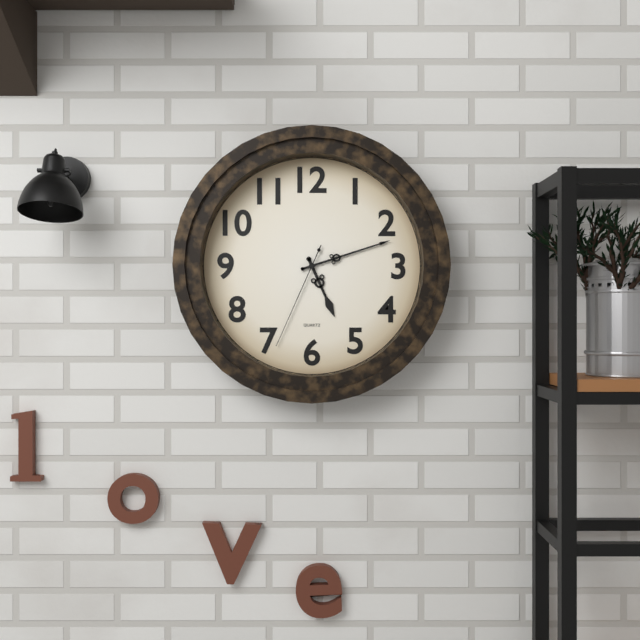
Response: 5:12:34
